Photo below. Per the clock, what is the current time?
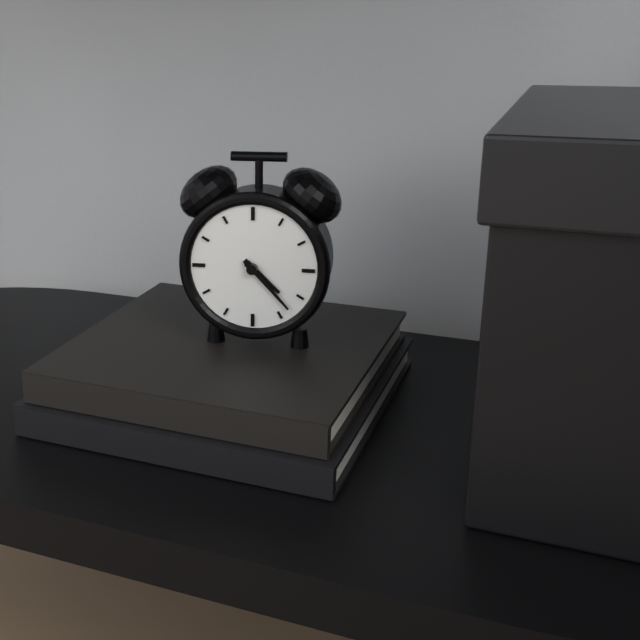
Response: 4:23
